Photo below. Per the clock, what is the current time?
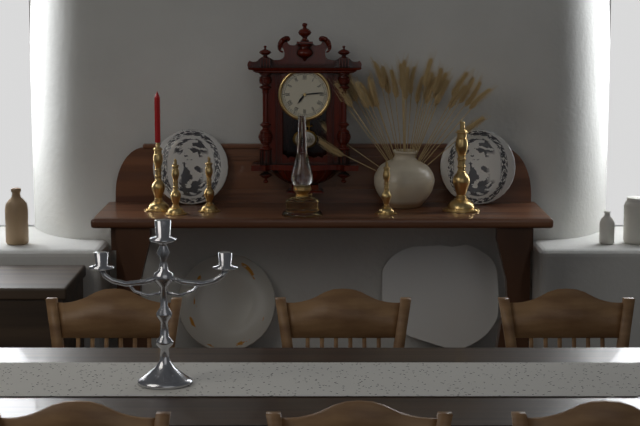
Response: 7:14
